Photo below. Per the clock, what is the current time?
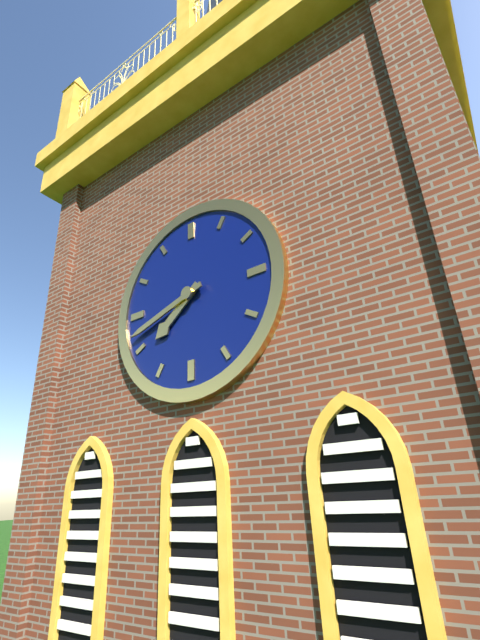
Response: 7:42
